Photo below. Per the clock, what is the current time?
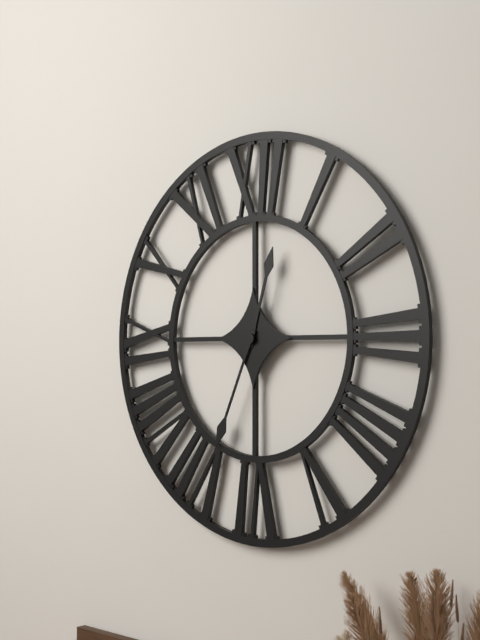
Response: 12:34
